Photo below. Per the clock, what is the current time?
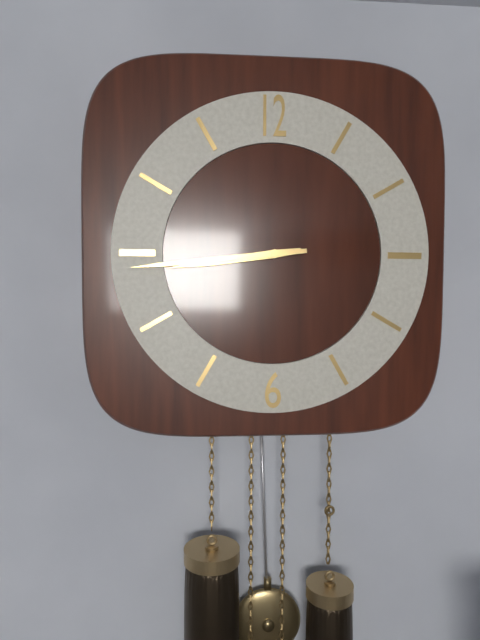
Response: 8:44
